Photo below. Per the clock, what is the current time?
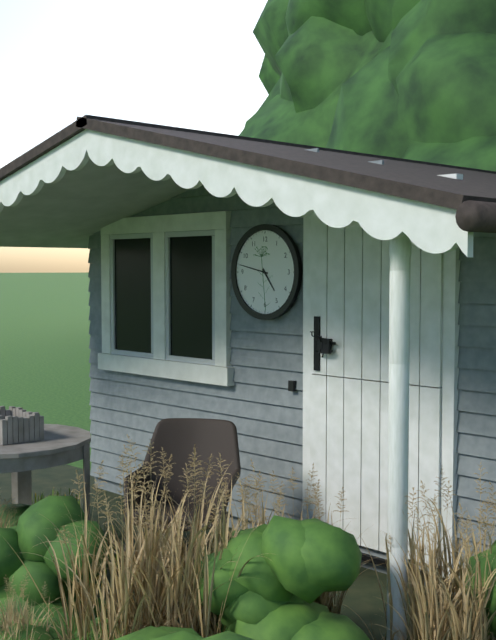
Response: 4:47
